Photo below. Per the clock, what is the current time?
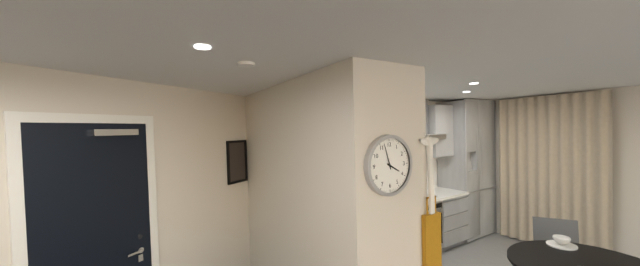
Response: 3:57
